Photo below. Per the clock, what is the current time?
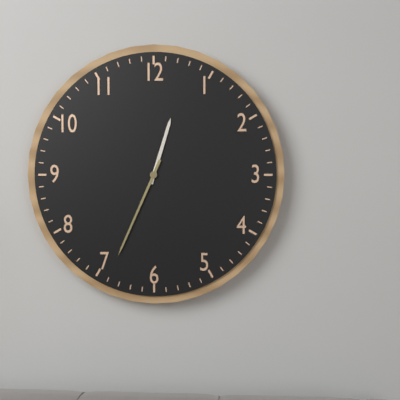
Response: 12:34
